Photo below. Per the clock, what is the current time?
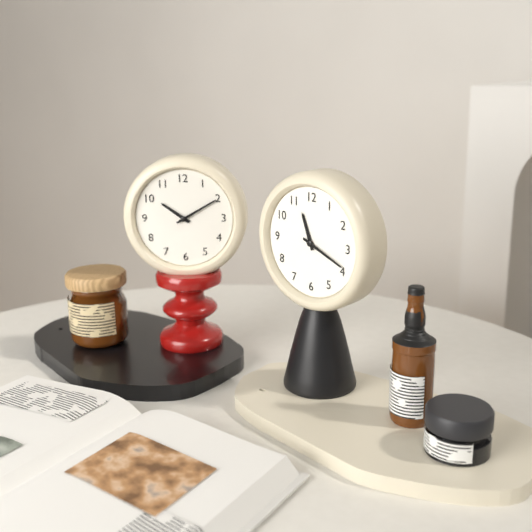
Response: 11:19
